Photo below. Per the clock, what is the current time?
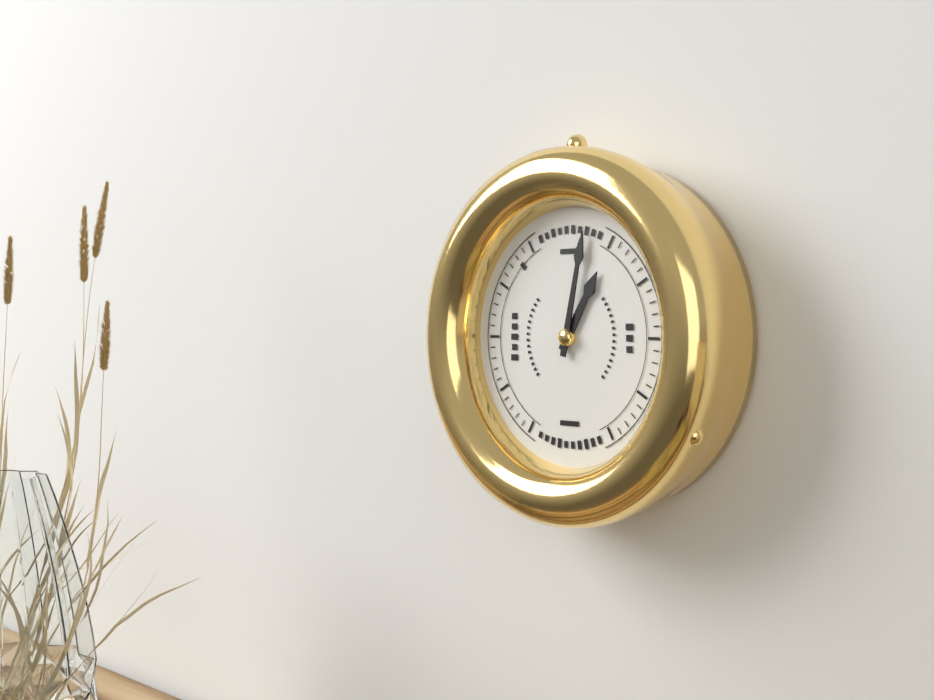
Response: 1:02
